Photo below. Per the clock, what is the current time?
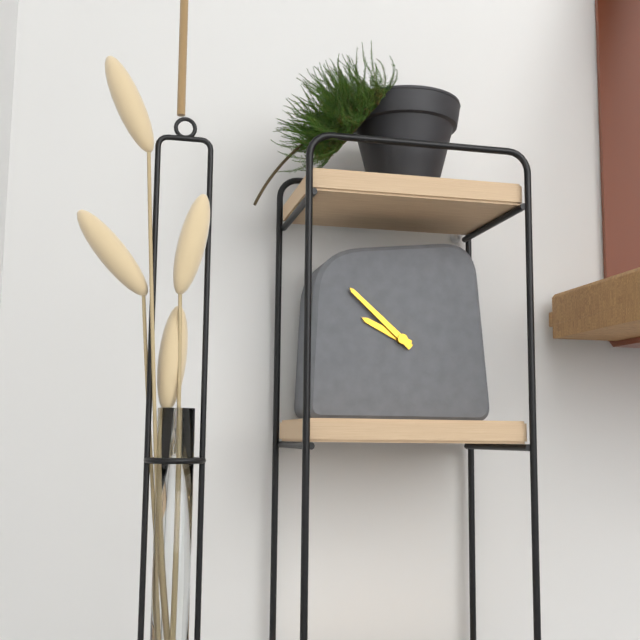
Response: 9:52
